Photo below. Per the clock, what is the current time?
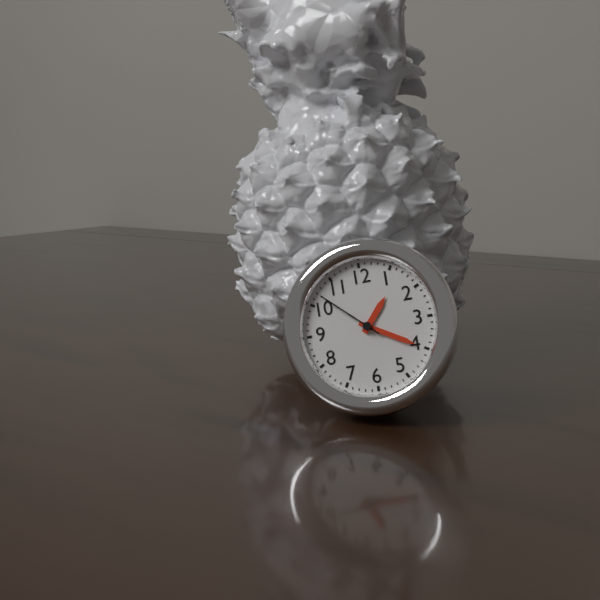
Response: 1:20:52
